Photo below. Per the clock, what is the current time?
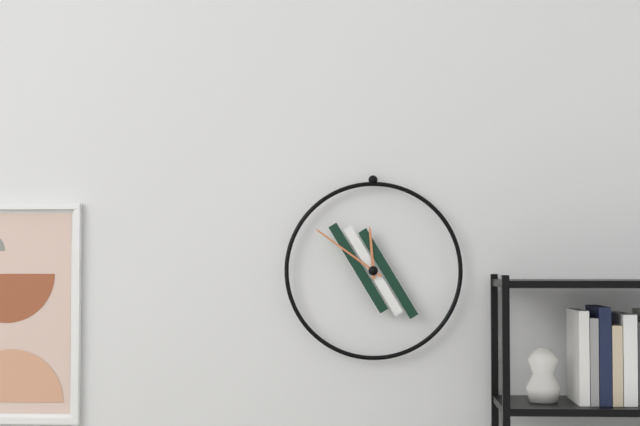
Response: 11:51
